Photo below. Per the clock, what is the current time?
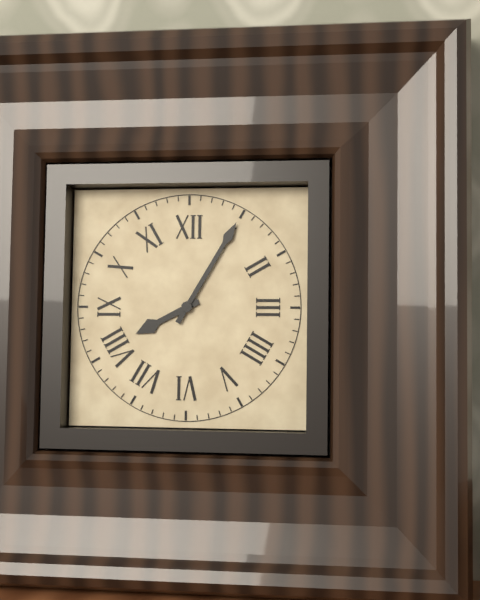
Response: 8:05
